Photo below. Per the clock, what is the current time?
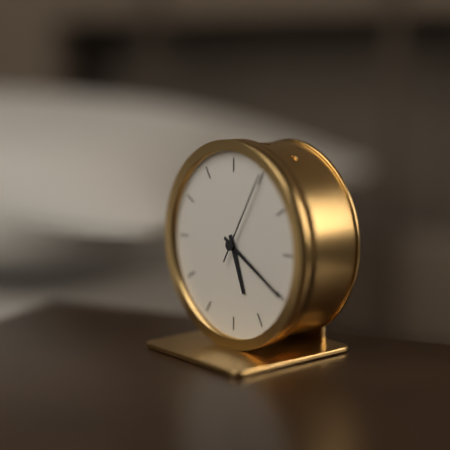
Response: 5:20:05
